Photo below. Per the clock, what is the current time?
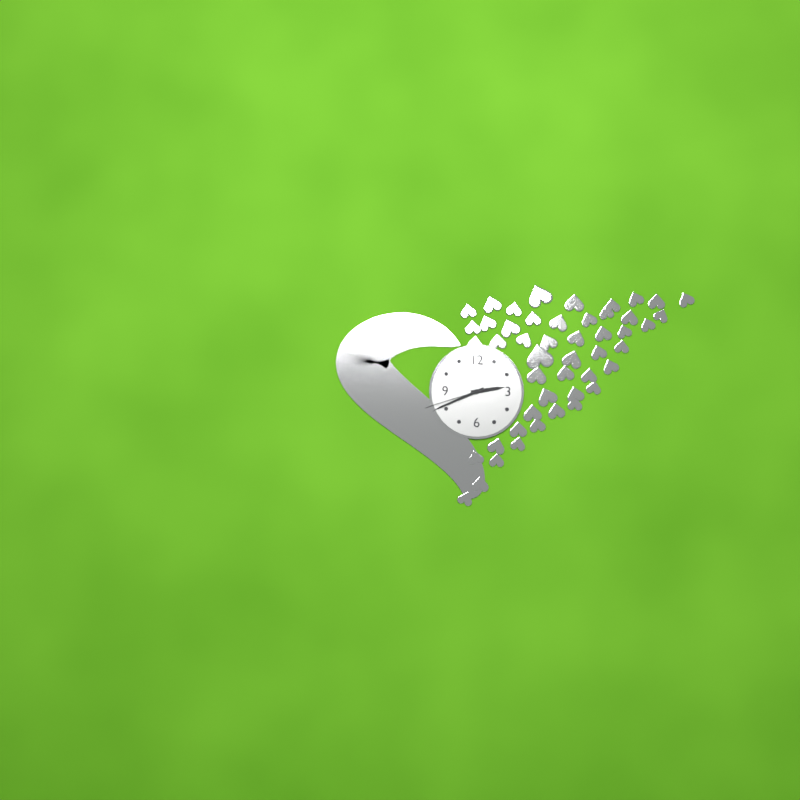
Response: 2:41:42
